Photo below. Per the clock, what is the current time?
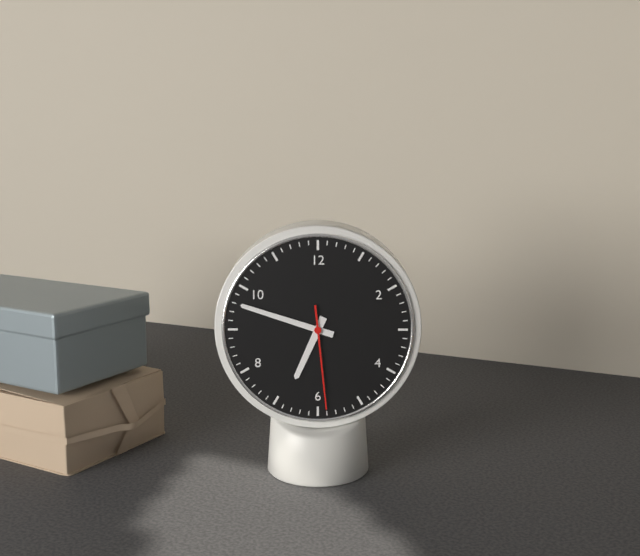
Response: 6:48:29
